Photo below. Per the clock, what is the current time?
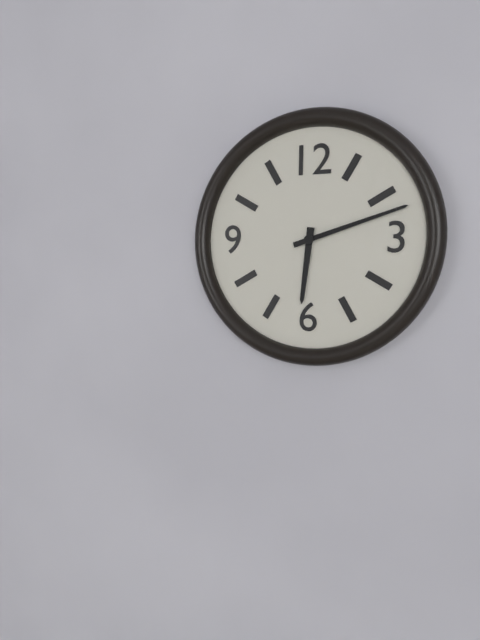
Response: 6:12
